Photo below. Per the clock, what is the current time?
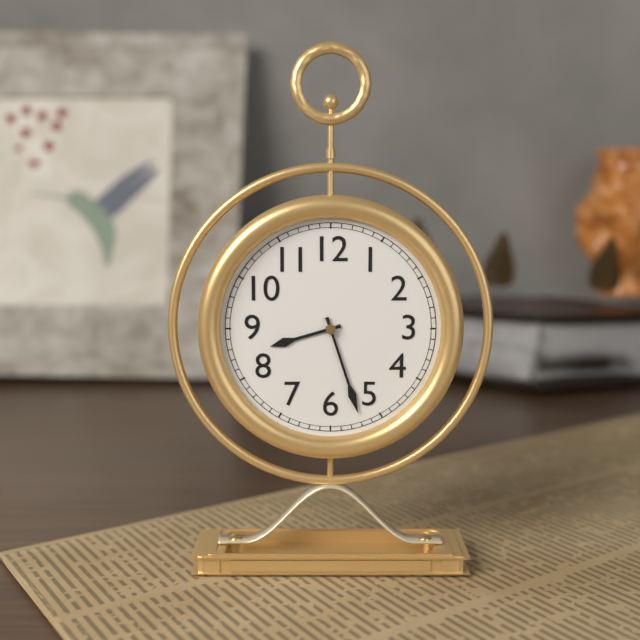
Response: 8:27
